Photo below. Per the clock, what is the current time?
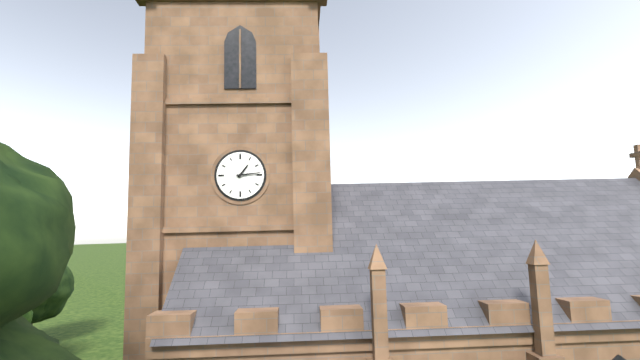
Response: 1:14
